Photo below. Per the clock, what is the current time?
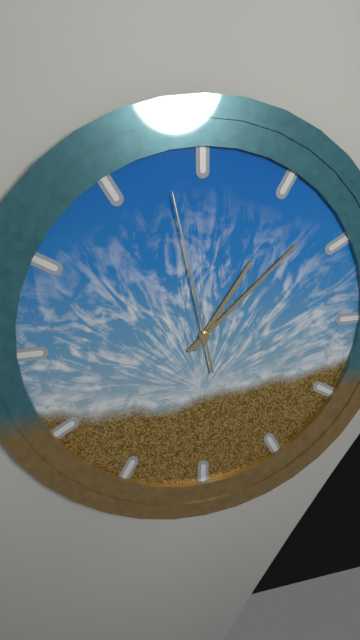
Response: 1:08:58
